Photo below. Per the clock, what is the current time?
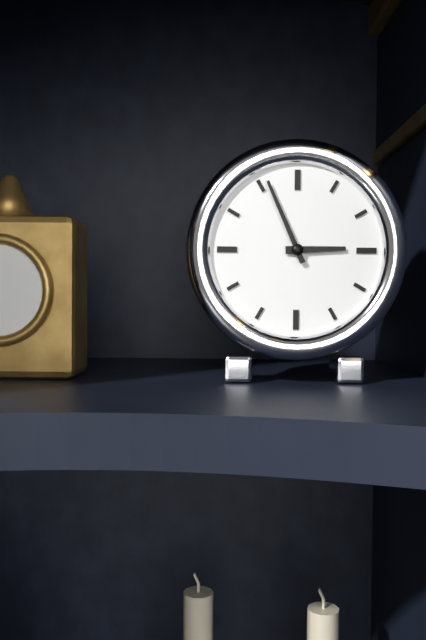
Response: 2:56
